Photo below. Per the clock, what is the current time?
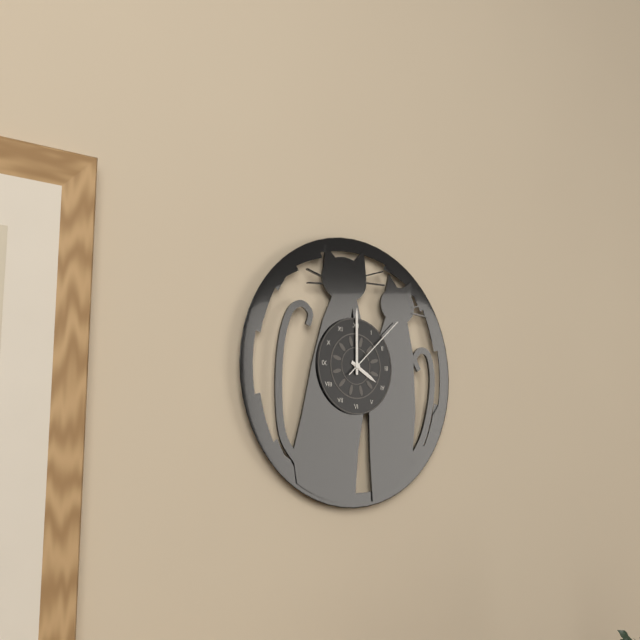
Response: 4:00:08
